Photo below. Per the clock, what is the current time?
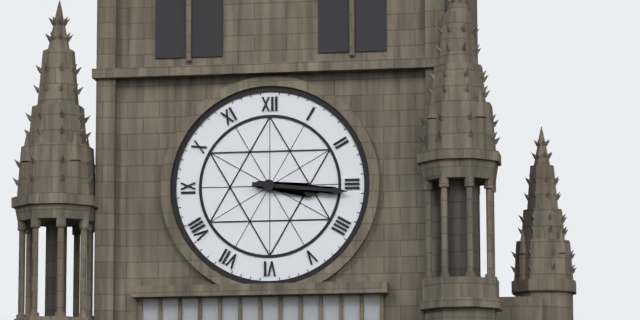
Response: 3:16
